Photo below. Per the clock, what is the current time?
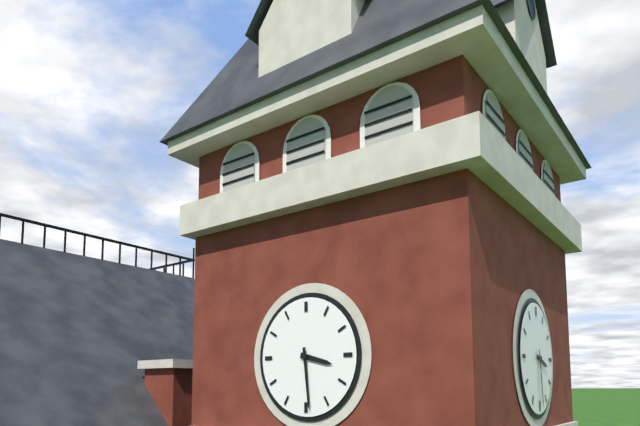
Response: 3:29
